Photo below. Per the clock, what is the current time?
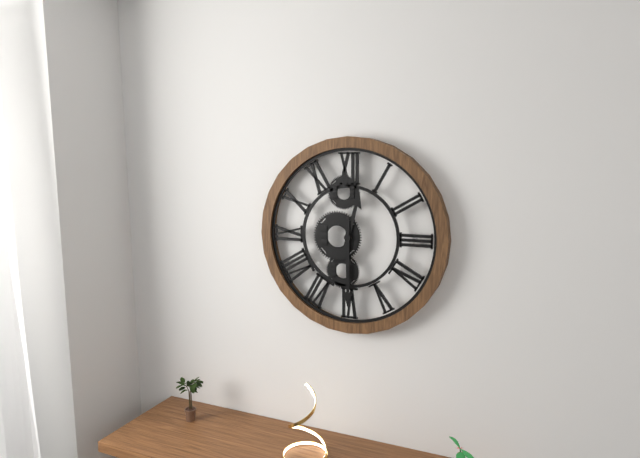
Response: 12:30
